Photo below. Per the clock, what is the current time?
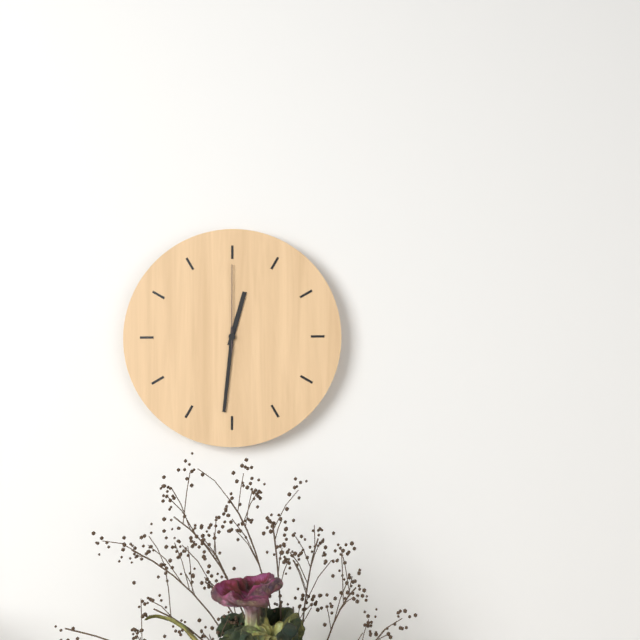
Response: 12:31:00
